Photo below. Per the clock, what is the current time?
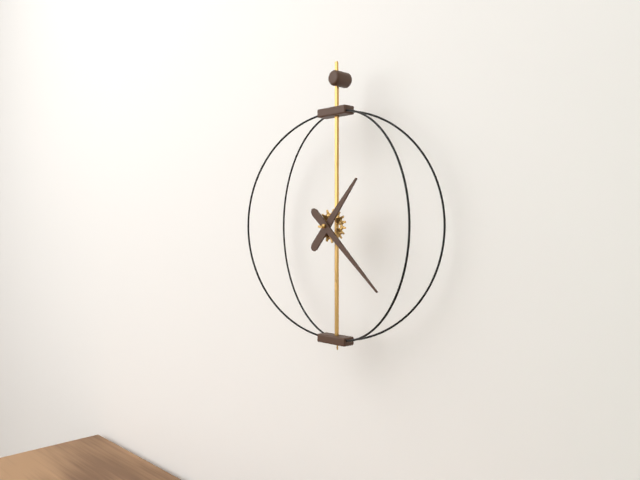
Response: 1:22
